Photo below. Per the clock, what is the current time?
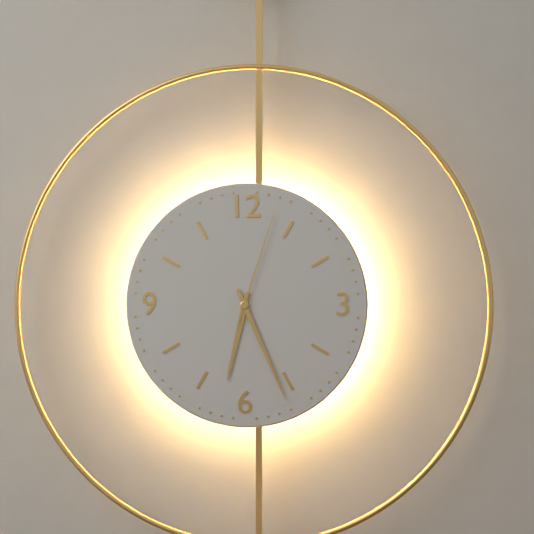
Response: 6:26:03
